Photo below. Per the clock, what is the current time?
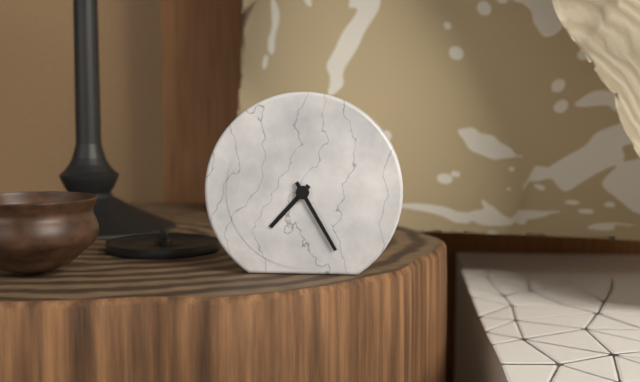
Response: 7:25
